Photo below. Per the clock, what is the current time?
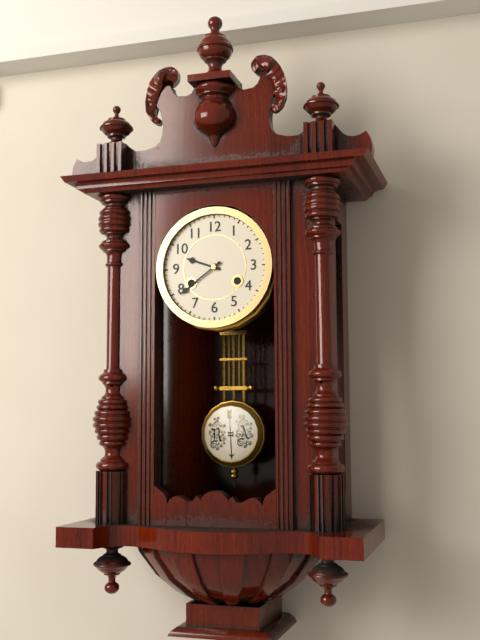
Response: 9:39
